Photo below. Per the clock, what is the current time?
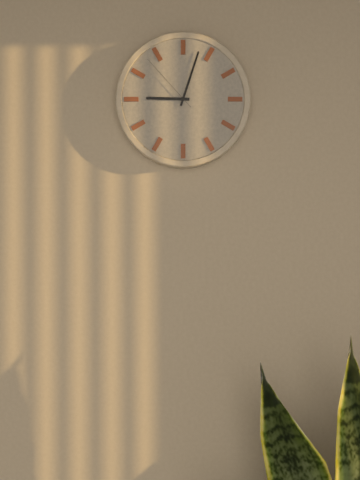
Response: 9:03:53
